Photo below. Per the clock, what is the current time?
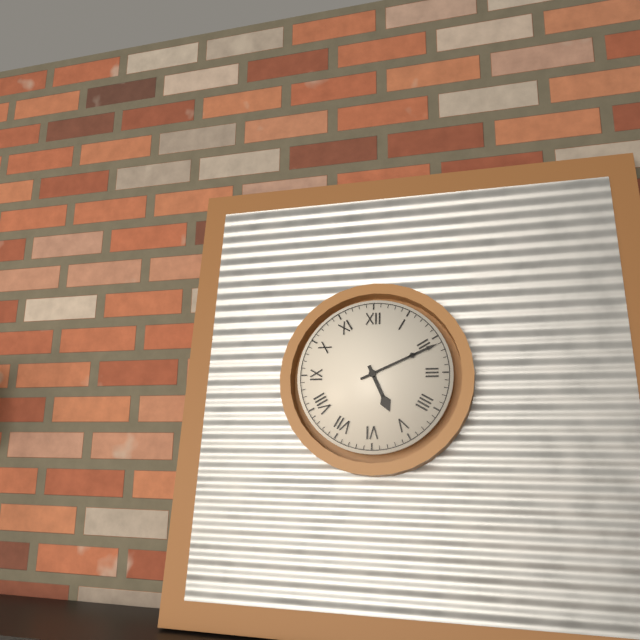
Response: 5:11
